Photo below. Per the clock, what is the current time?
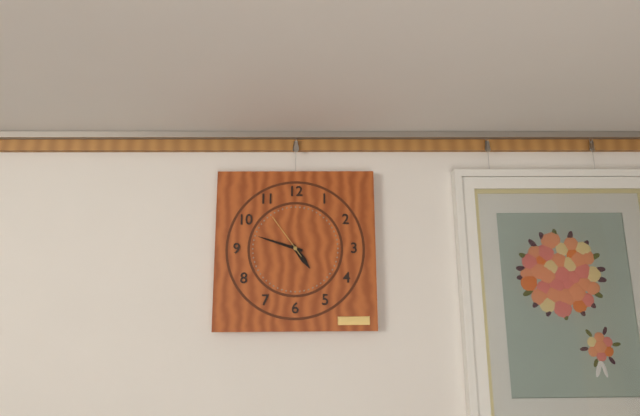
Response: 4:48
